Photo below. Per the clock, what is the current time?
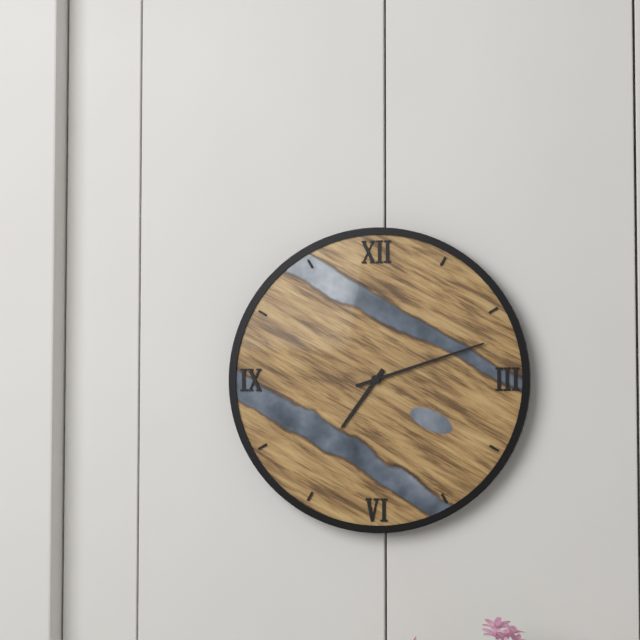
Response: 7:12
